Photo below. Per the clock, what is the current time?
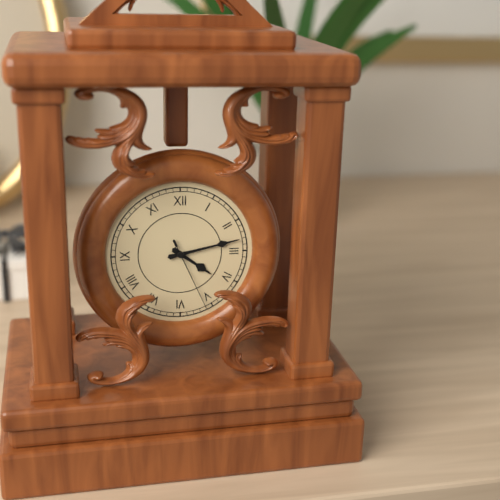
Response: 4:13:26
